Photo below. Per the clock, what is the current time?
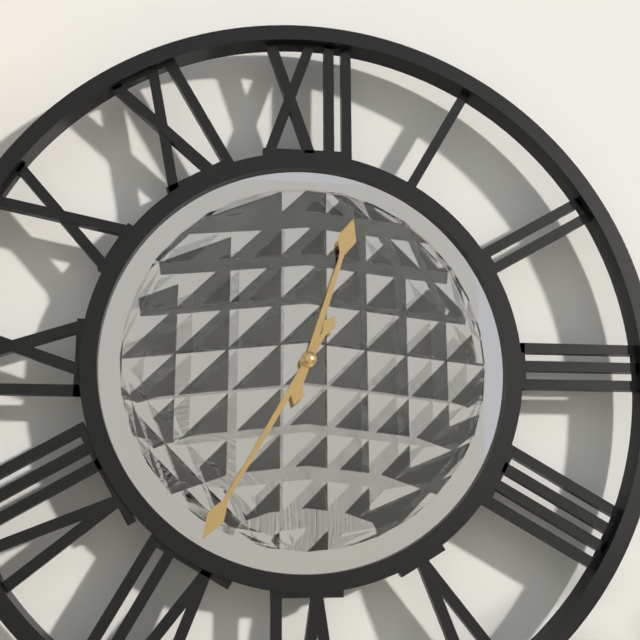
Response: 12:35
